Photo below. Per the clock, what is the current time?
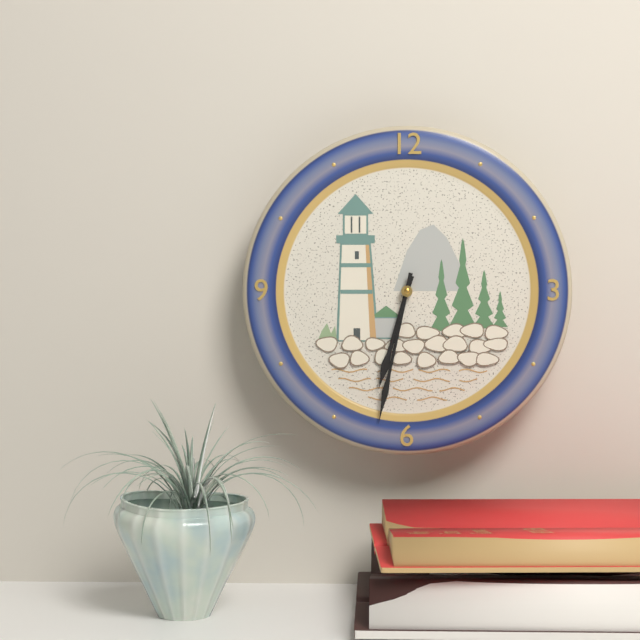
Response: 6:32
